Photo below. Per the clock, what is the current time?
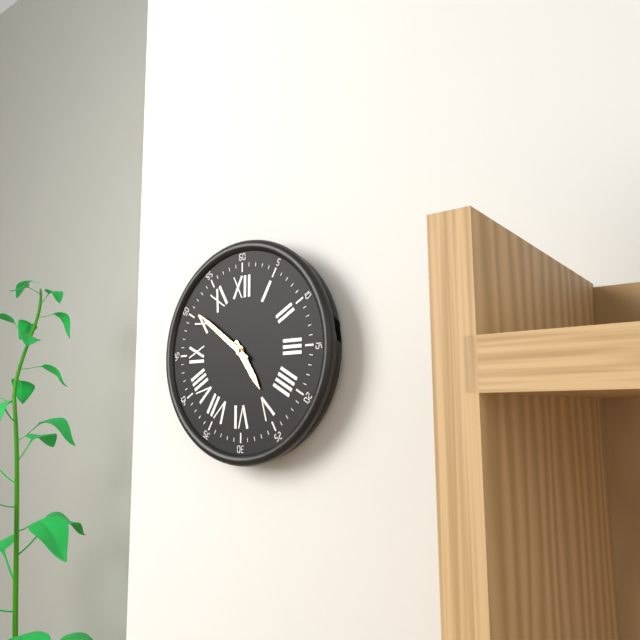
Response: 4:51
